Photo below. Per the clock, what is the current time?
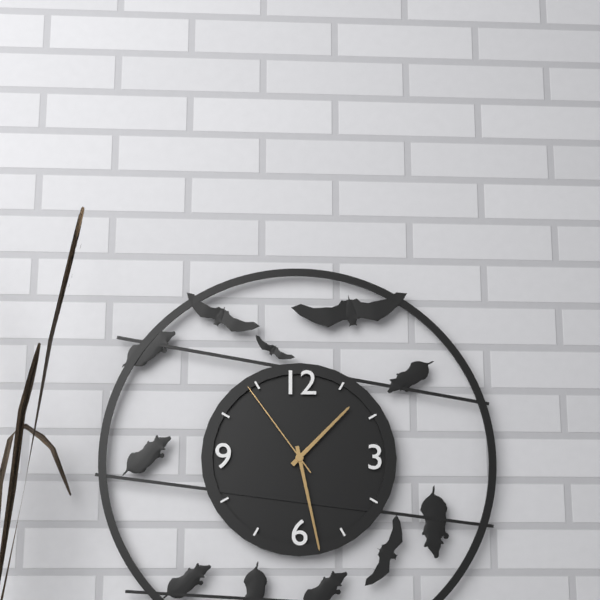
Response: 1:28:54
